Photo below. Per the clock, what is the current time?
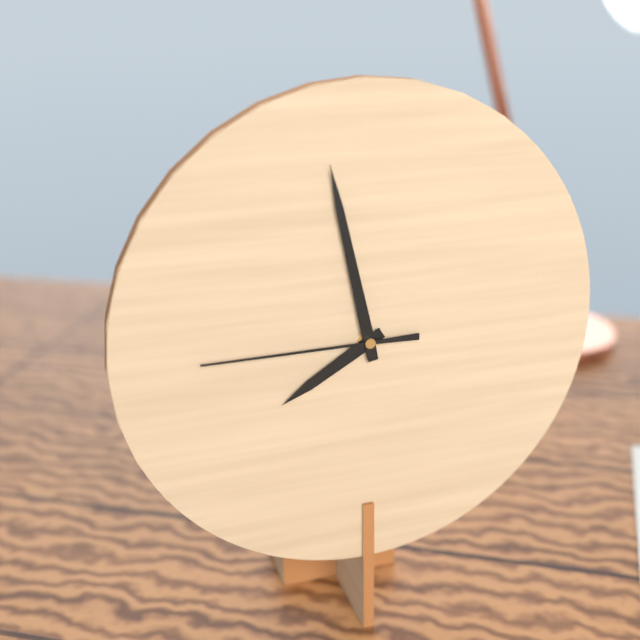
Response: 7:58:45
